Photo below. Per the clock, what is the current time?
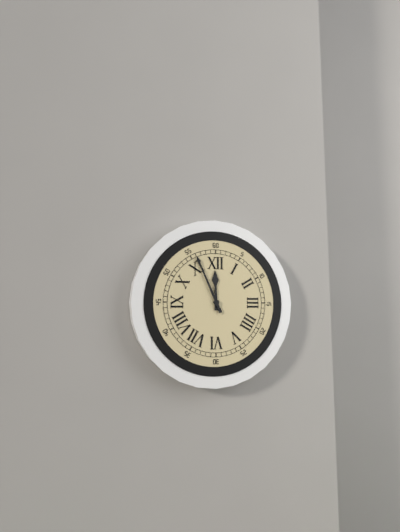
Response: 11:56
